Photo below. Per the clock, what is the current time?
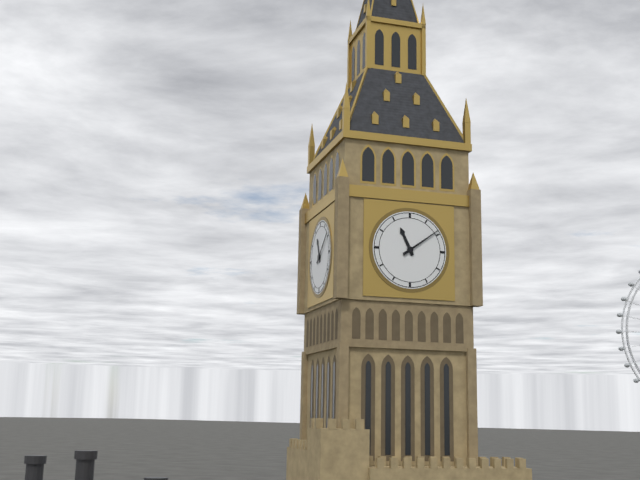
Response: 11:09
